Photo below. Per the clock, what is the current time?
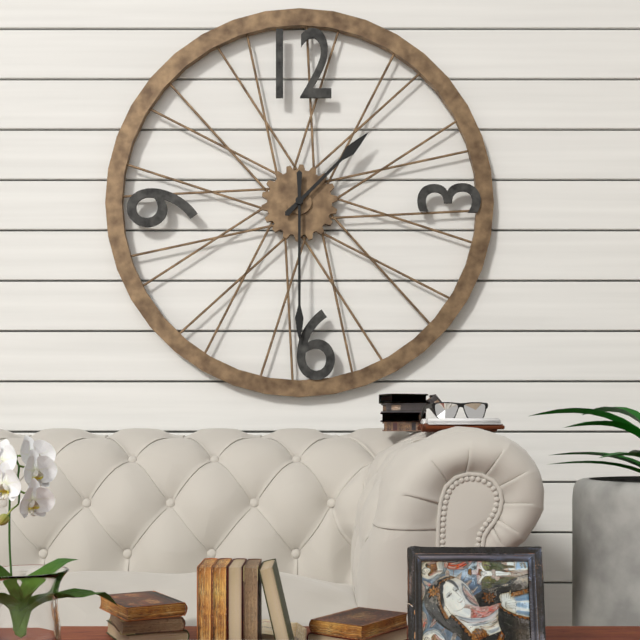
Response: 1:30
